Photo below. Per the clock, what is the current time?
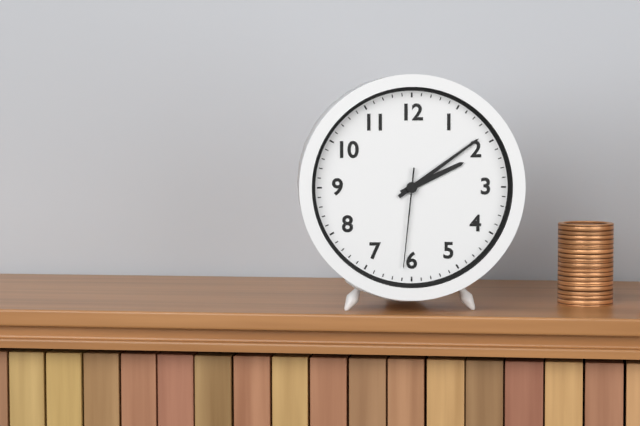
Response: 2:09:31
